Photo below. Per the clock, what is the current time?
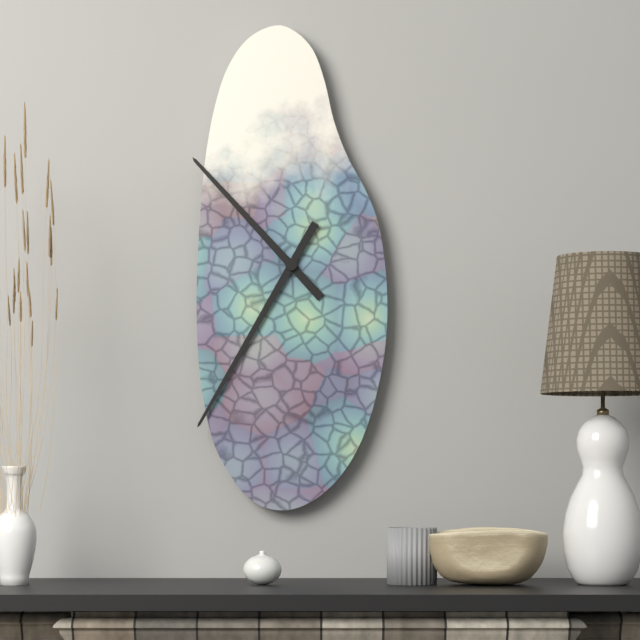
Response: 10:35
